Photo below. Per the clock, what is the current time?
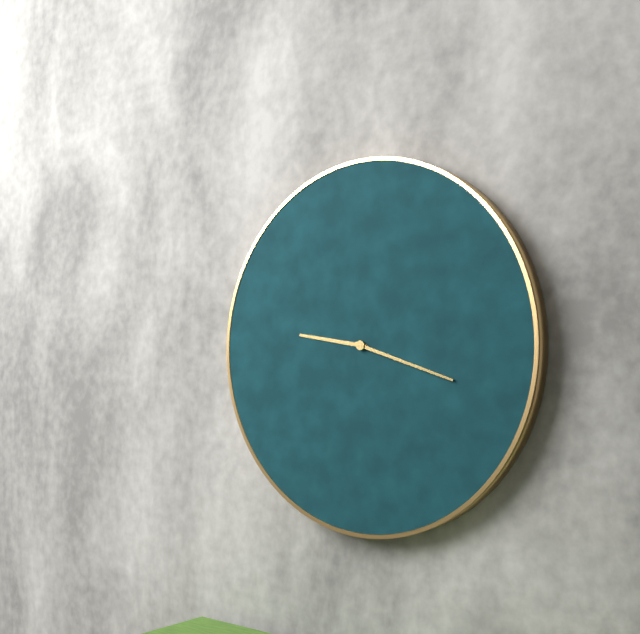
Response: 9:18
